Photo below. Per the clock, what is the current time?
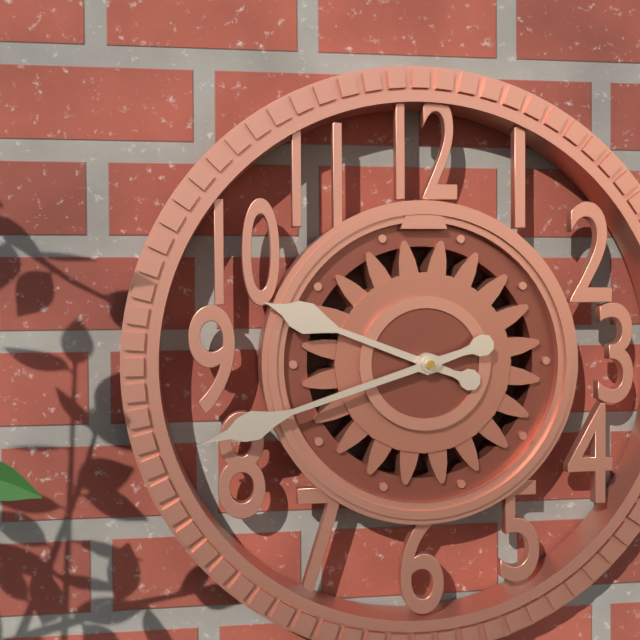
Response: 9:42
